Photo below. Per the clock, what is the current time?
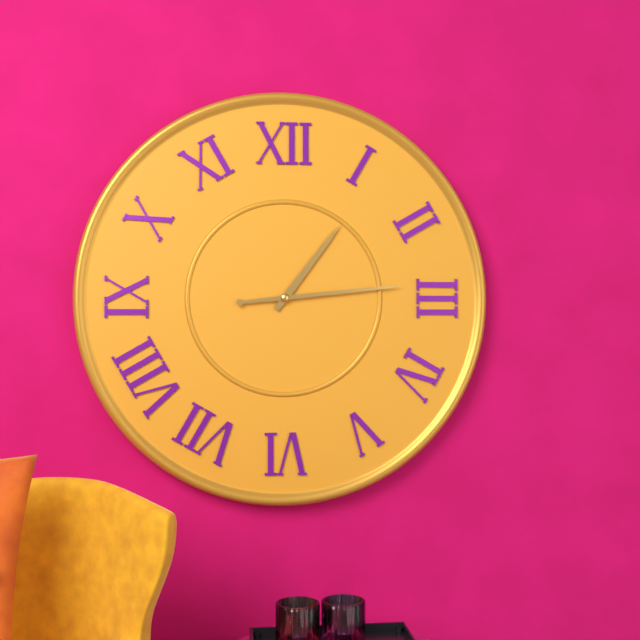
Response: 1:14
